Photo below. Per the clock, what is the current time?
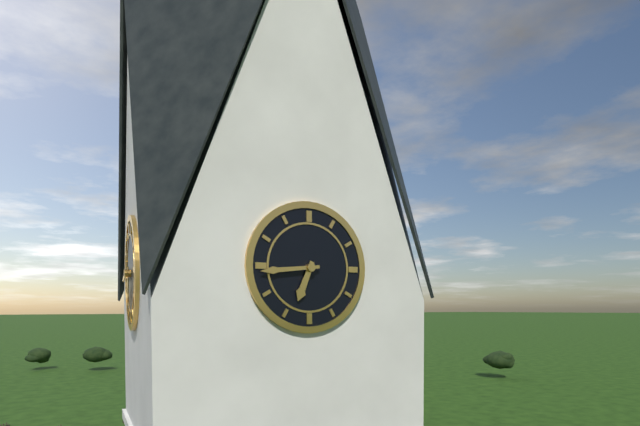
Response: 6:44
